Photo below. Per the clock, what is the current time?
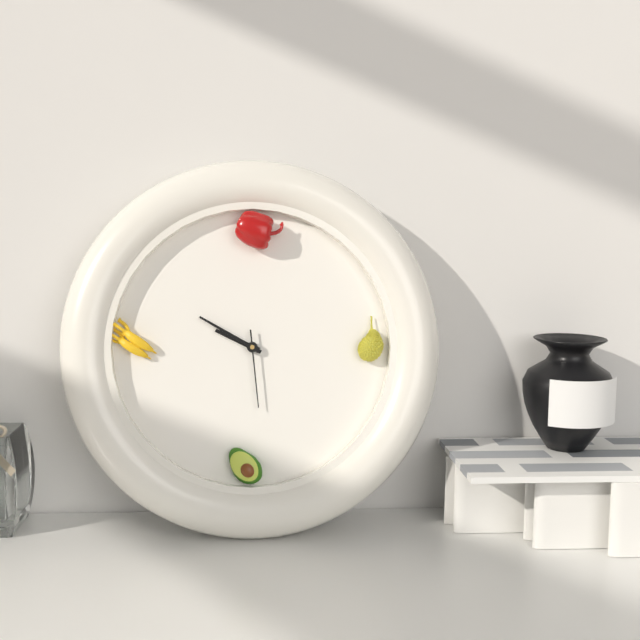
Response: 9:50:29
